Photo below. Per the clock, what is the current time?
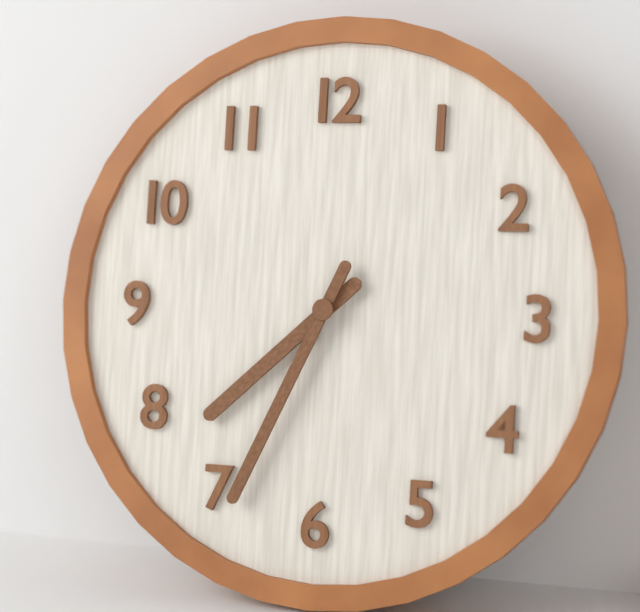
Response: 7:34
